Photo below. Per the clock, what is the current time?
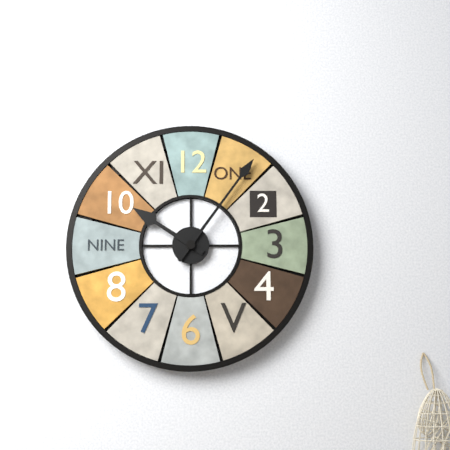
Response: 10:06
